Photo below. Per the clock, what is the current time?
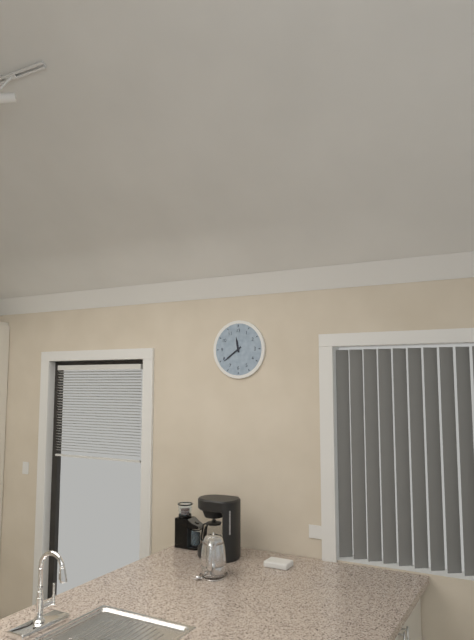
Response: 11:39
